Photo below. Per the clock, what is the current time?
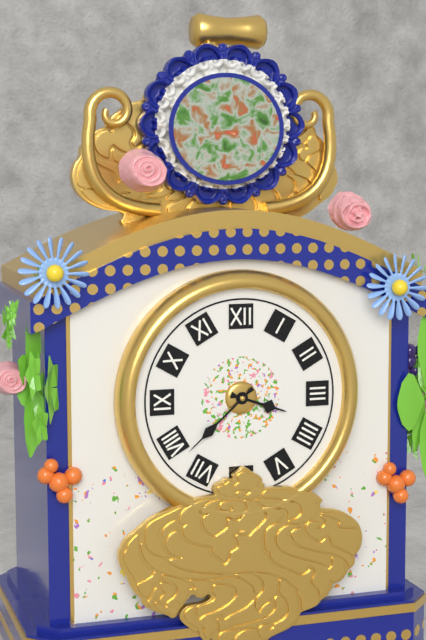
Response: 3:38
